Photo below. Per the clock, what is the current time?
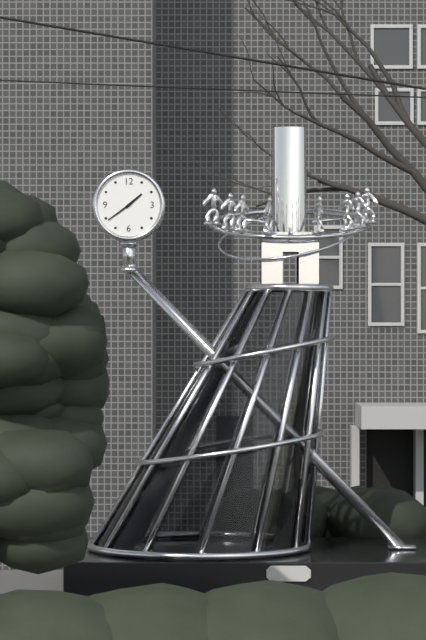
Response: 1:39
